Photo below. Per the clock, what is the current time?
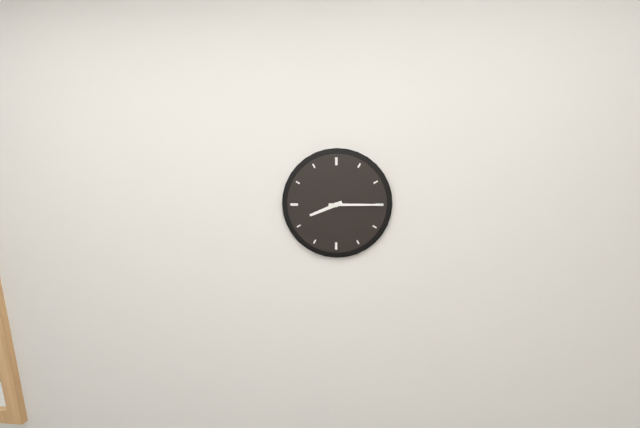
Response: 8:15
